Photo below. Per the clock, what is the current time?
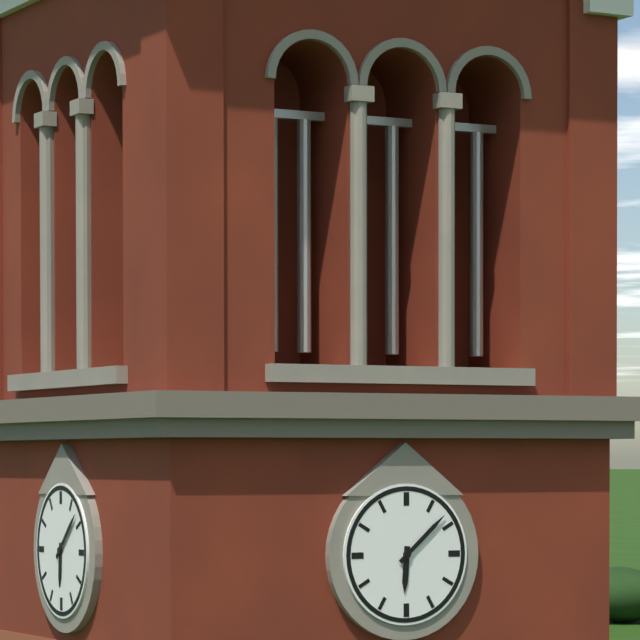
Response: 6:08
